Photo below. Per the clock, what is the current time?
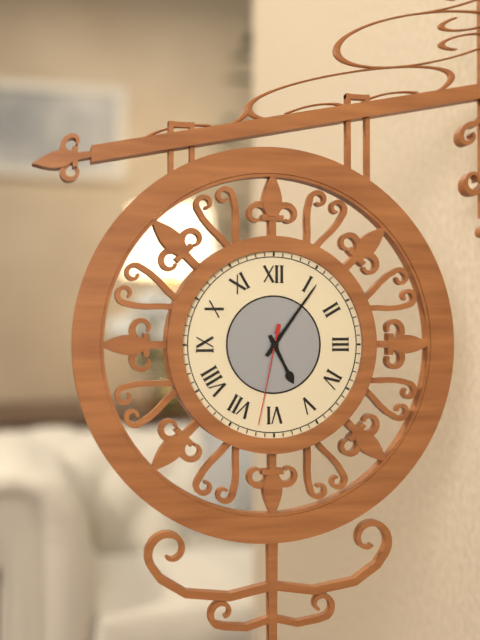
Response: 5:06:32
